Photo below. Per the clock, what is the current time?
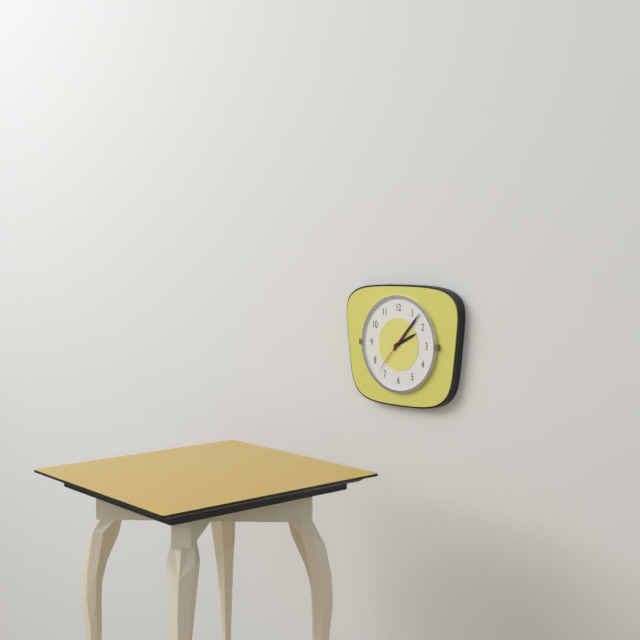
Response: 2:07
